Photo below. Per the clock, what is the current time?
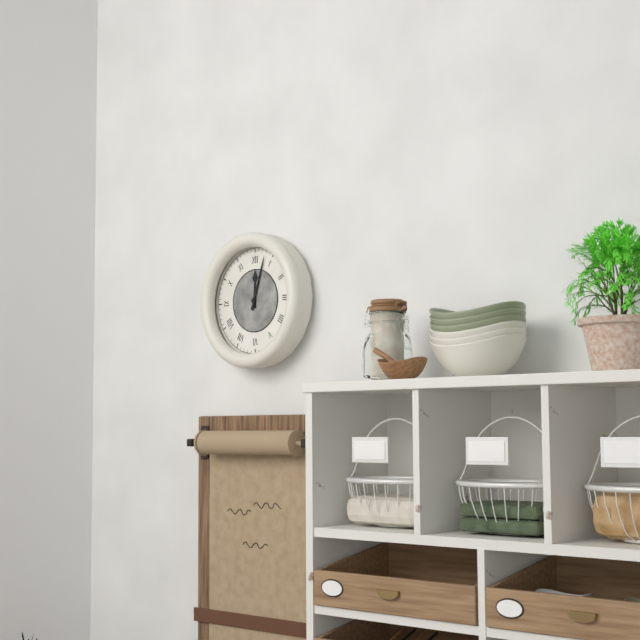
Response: 12:03
